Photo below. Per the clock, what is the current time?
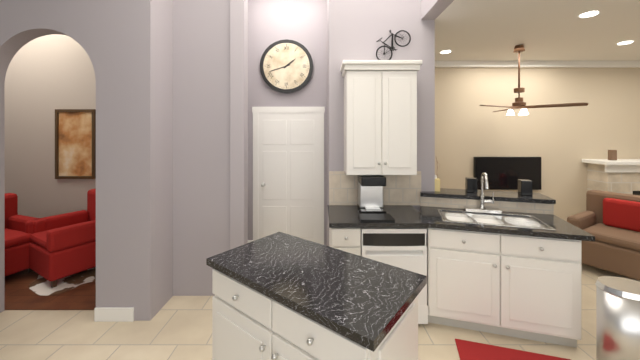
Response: 1:42
